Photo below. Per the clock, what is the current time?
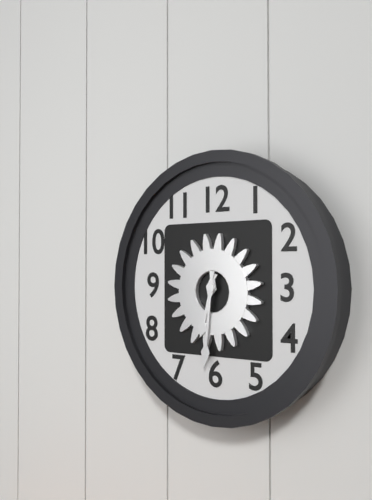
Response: 6:31
